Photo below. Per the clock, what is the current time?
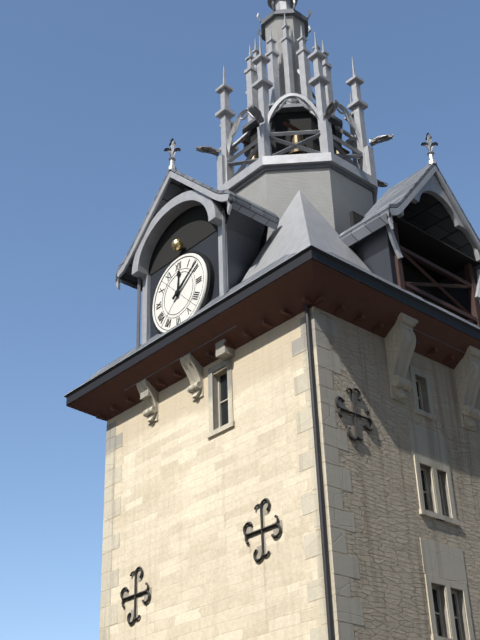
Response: 12:09
